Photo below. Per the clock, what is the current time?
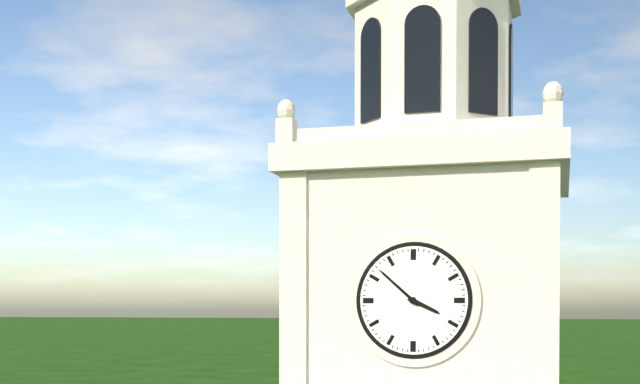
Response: 3:52
